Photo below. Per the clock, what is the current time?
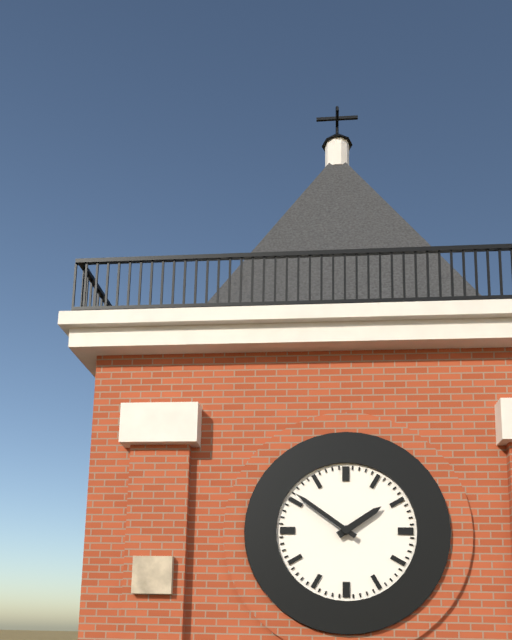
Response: 1:51
